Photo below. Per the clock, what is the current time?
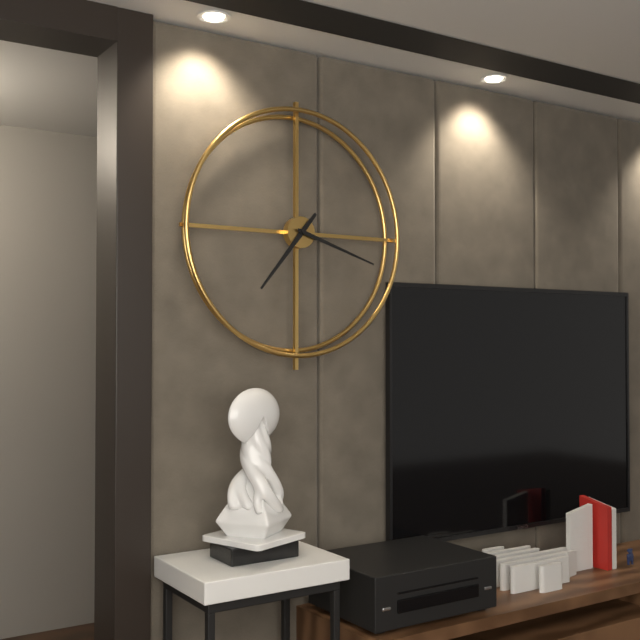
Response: 7:18
